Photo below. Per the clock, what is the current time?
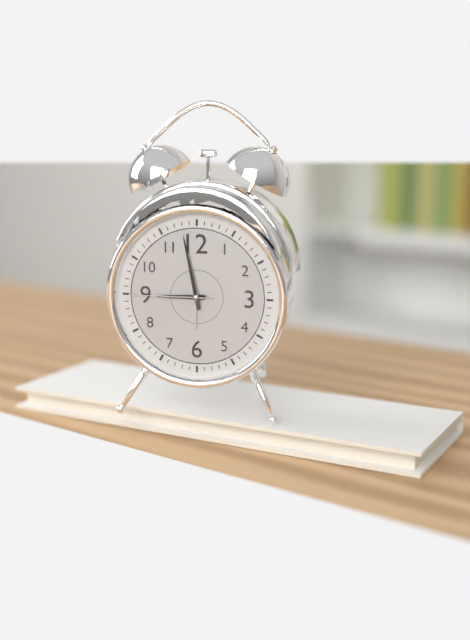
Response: 8:58:45
